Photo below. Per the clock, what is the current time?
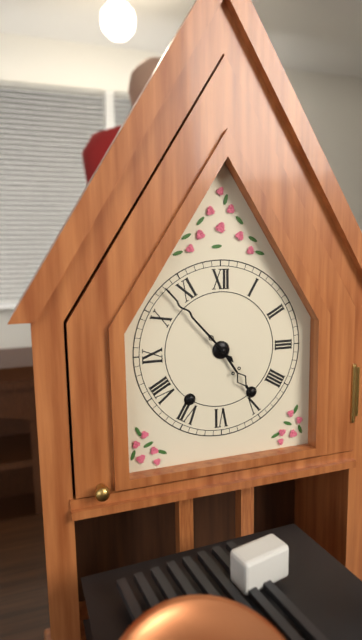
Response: 4:53
